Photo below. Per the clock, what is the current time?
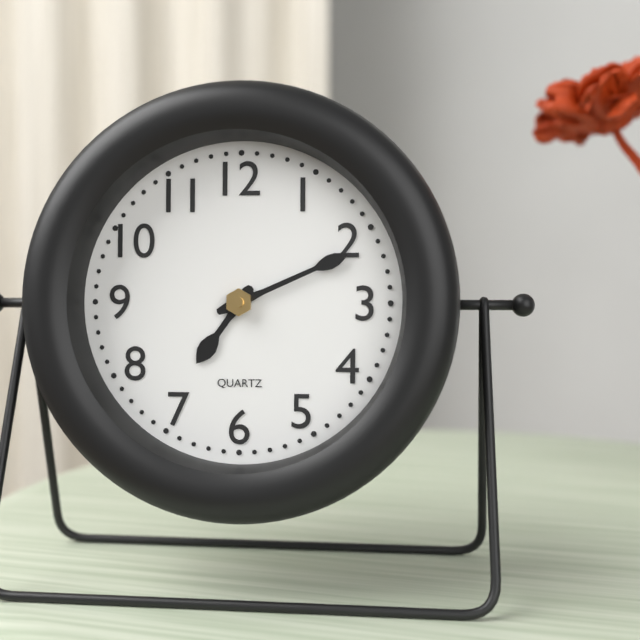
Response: 7:11
